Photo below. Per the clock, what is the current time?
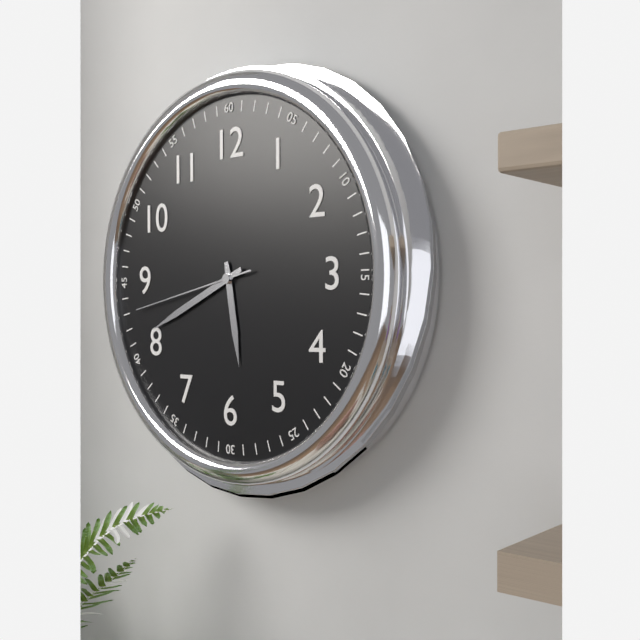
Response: 5:41:43
